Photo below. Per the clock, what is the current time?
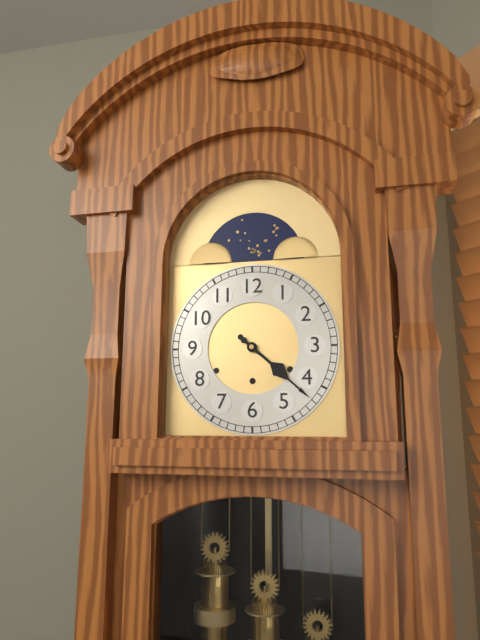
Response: 4:22
